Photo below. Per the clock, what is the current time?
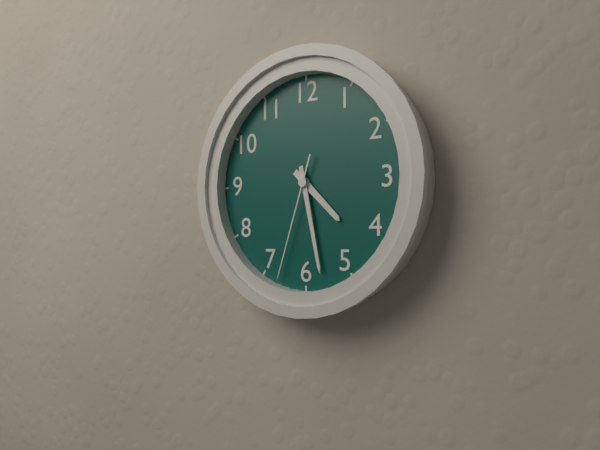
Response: 4:28:33
